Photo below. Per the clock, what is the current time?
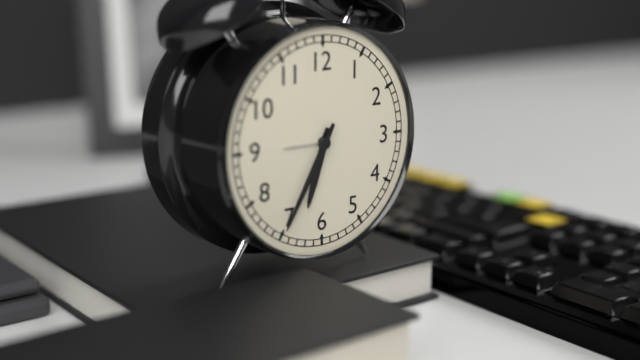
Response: 6:35
